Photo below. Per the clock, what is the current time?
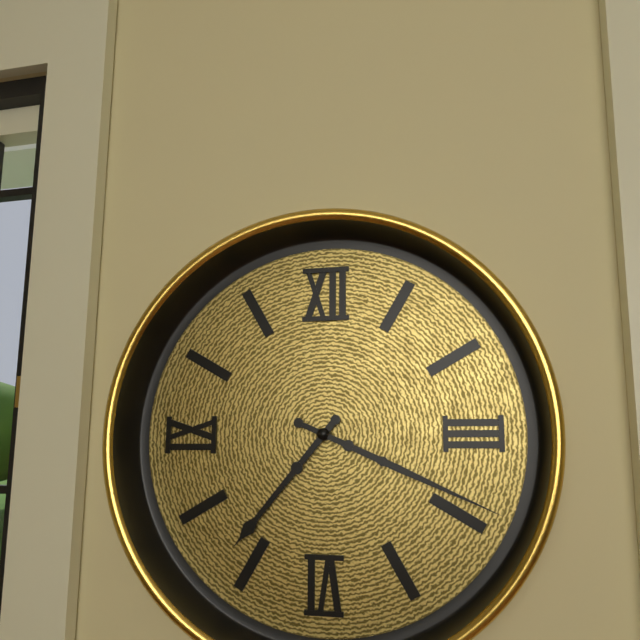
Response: 7:19
